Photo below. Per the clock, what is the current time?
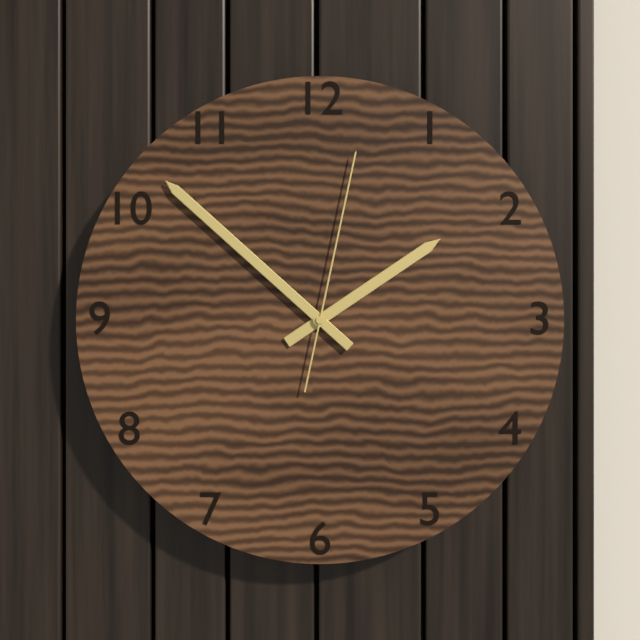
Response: 1:52:02
